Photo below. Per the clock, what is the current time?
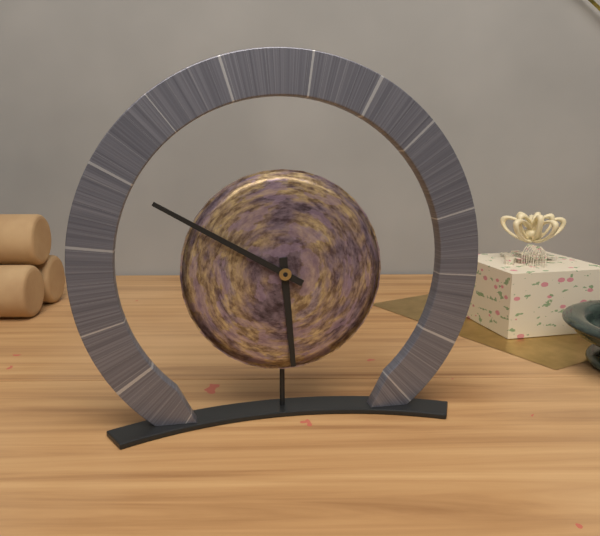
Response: 5:50
